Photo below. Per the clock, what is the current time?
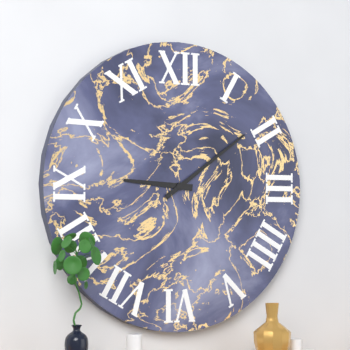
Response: 9:09
